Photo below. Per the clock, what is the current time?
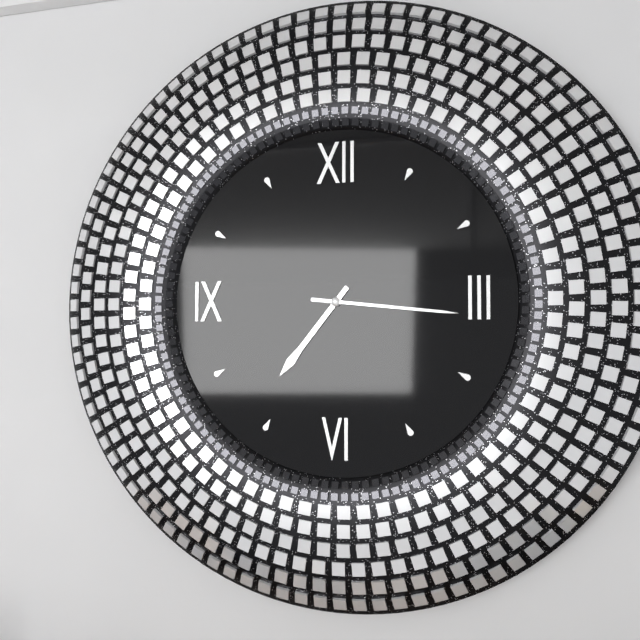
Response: 7:16
